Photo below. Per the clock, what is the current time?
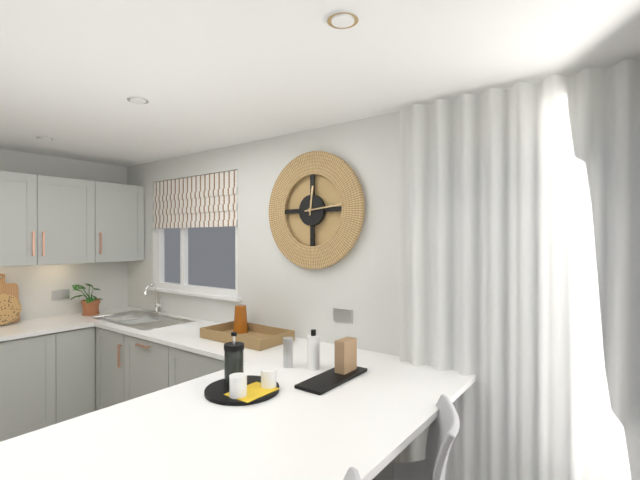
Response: 12:14
